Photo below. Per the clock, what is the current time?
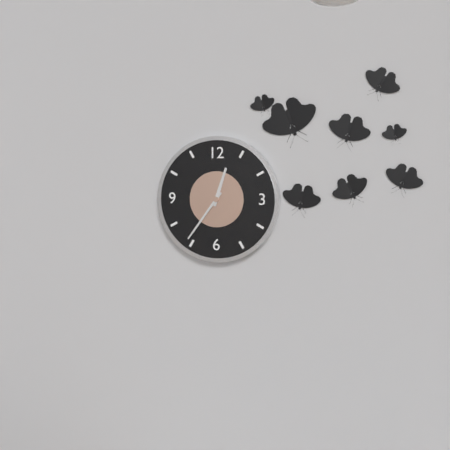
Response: 12:36
